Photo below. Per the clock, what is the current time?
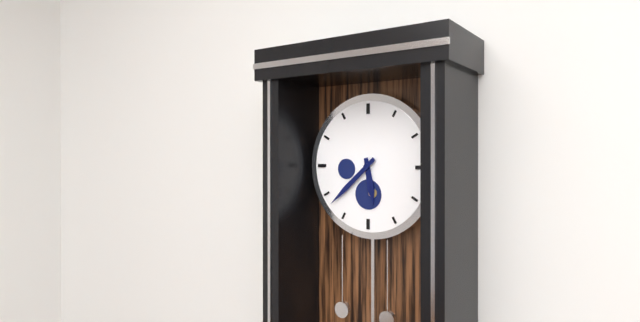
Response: 5:38
